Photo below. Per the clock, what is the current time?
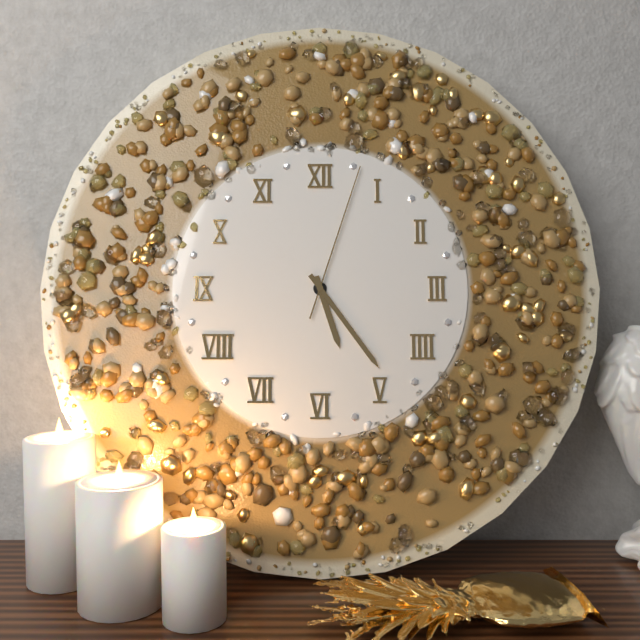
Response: 5:24:03
